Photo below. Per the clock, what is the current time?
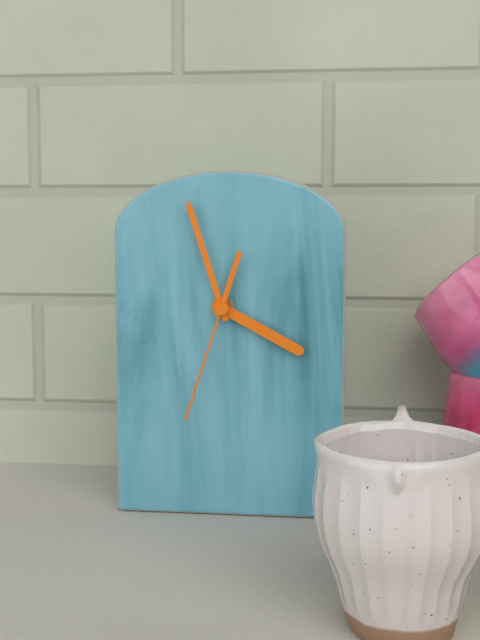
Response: 3:57:33
